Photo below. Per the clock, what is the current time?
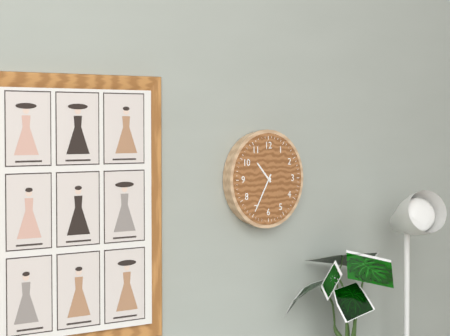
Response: 10:35
